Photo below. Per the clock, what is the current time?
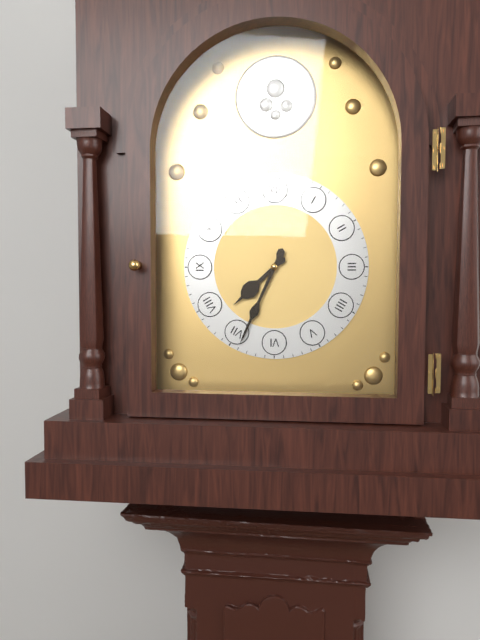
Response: 7:34
